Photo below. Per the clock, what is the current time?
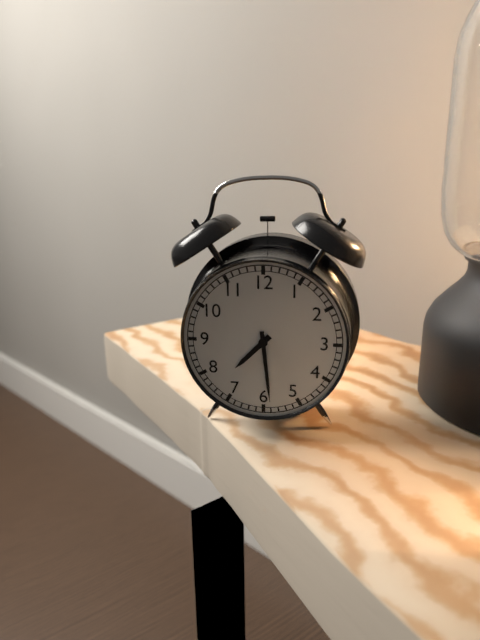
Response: 7:29
